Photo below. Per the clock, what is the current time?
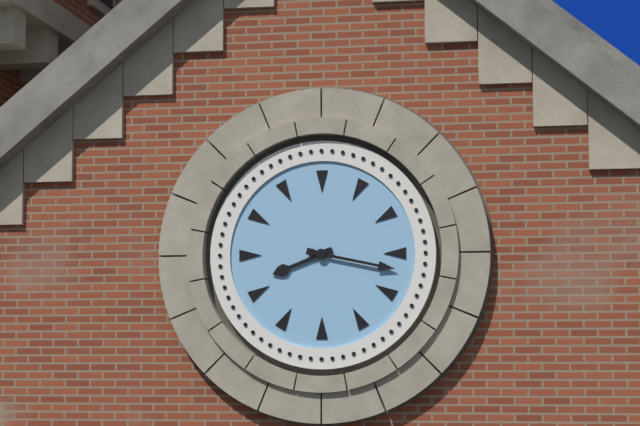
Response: 8:17
